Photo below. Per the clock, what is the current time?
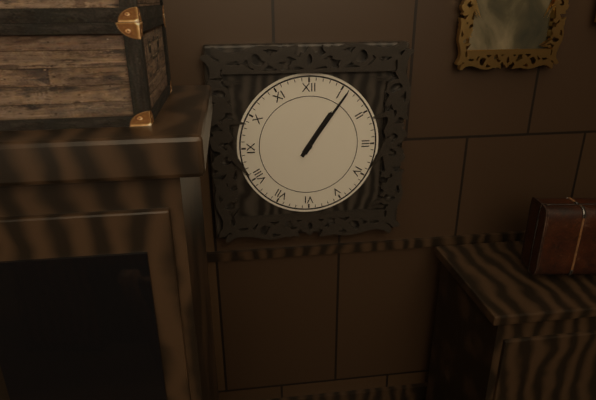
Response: 1:06
